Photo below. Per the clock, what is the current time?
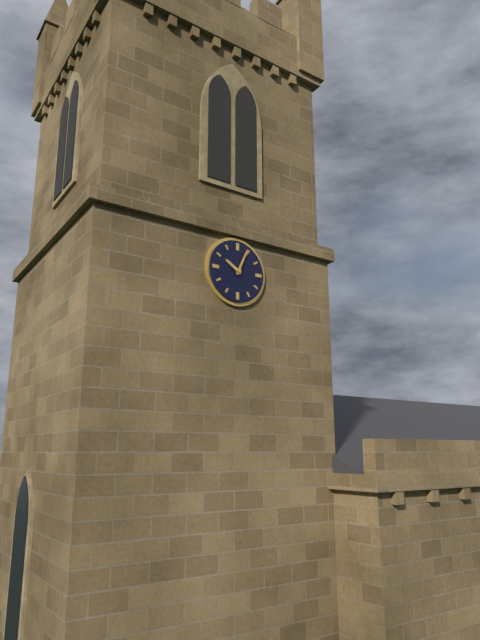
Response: 10:04
